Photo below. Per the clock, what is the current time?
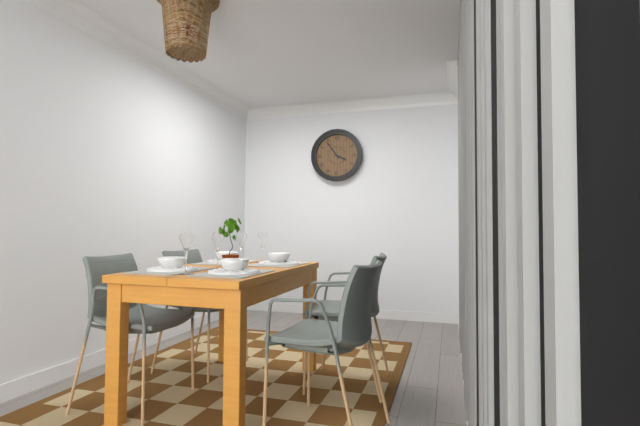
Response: 3:54
